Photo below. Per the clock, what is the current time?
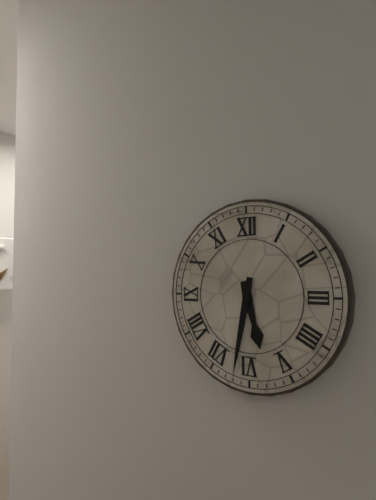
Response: 5:32
